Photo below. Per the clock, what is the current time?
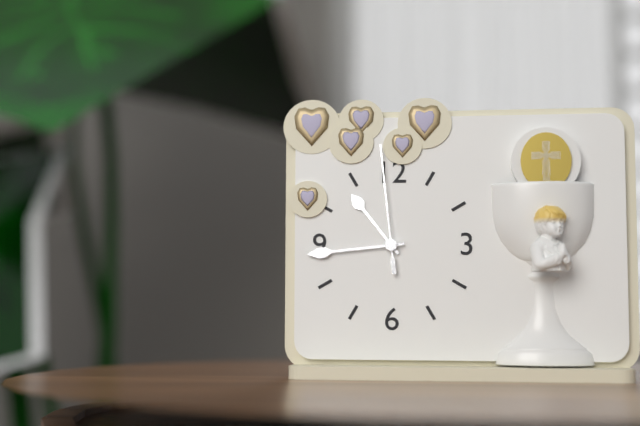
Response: 10:44:59
